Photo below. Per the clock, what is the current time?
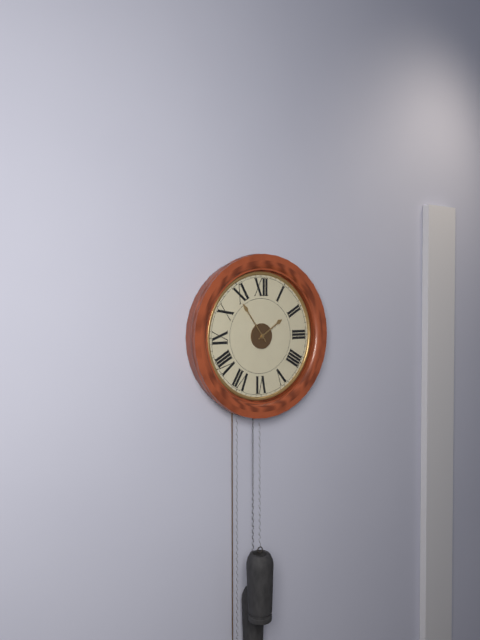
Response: 1:54
